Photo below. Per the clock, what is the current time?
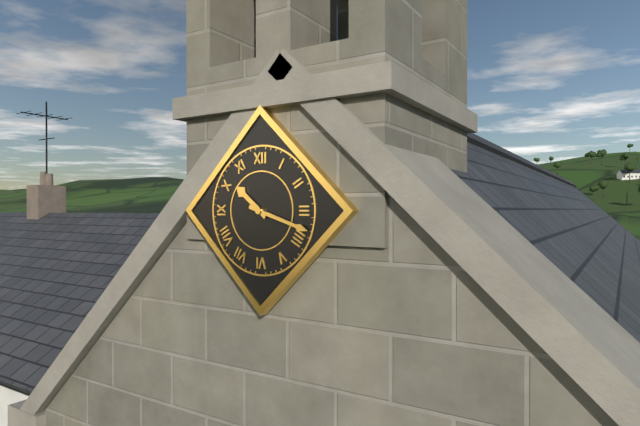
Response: 10:18
